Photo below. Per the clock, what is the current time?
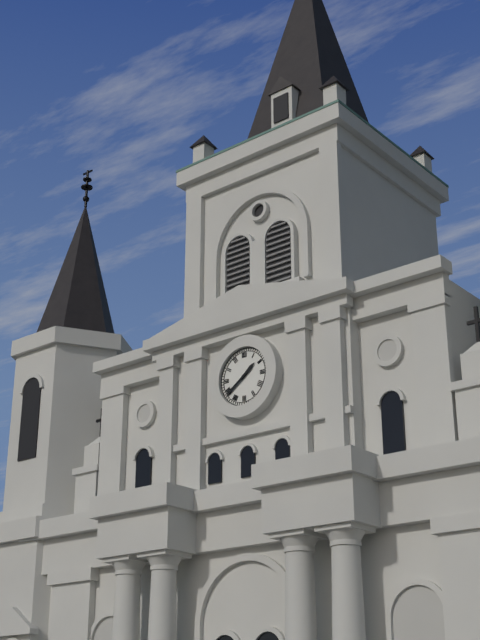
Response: 1:39
